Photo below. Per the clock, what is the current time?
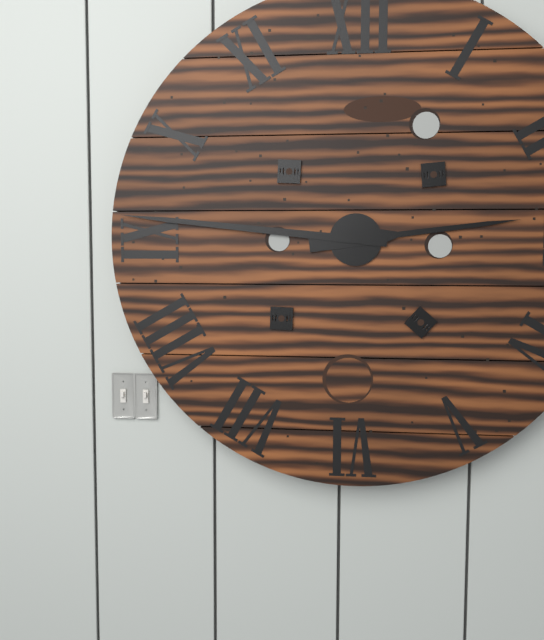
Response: 2:46
